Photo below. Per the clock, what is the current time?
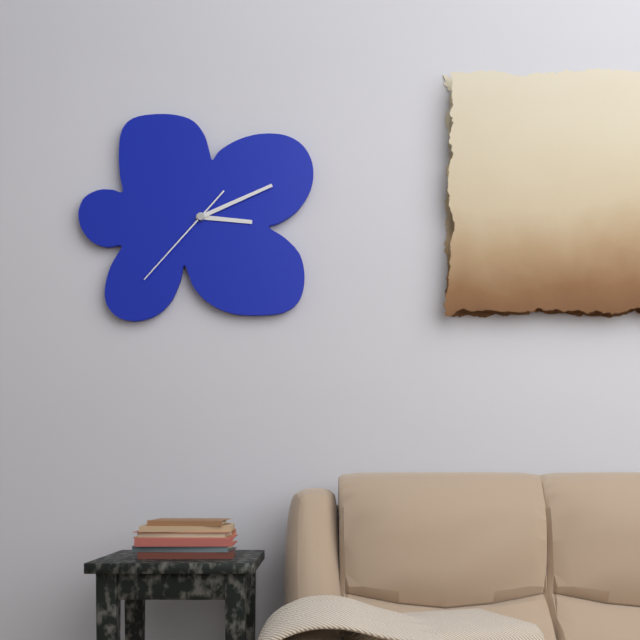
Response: 3:11:37
